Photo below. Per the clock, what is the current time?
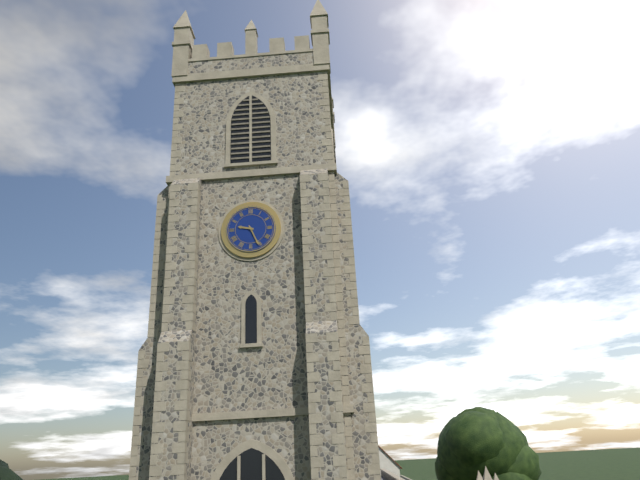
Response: 9:26
